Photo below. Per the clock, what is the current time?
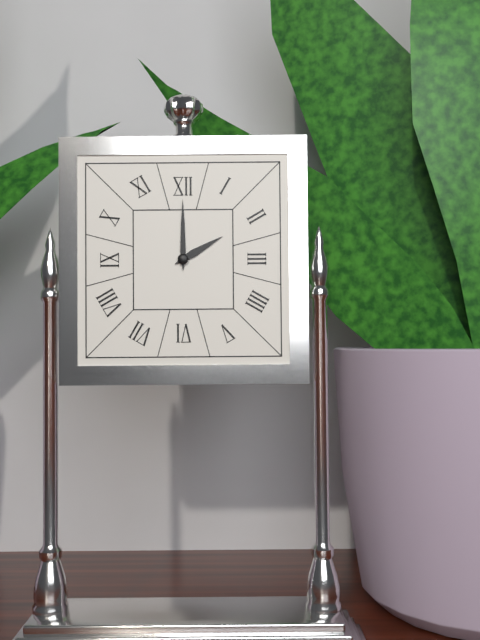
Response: 2:00
